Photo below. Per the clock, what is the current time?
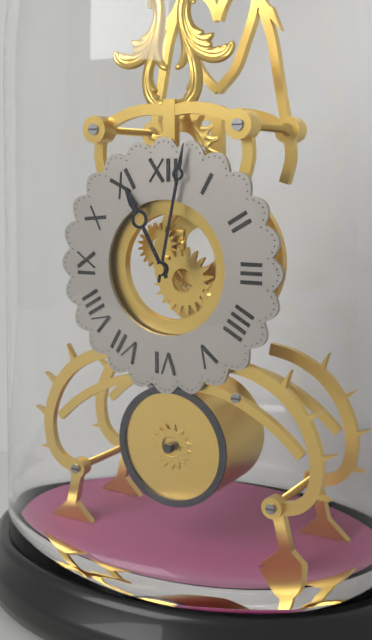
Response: 11:02
